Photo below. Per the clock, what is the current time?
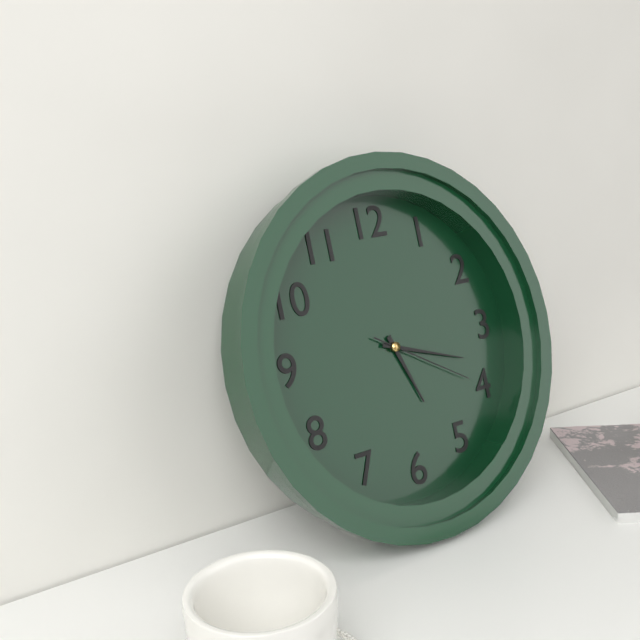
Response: 5:18:20
